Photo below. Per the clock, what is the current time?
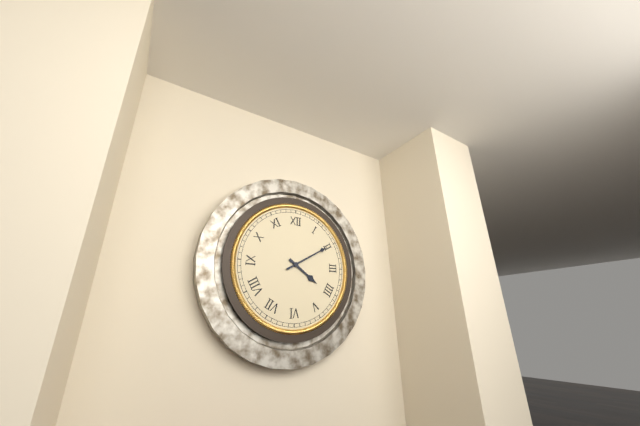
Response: 4:10
